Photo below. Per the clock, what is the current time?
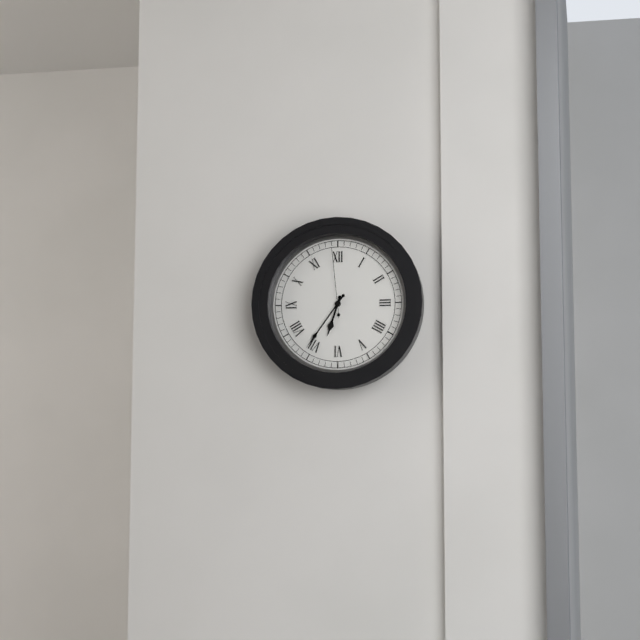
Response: 6:36:59
